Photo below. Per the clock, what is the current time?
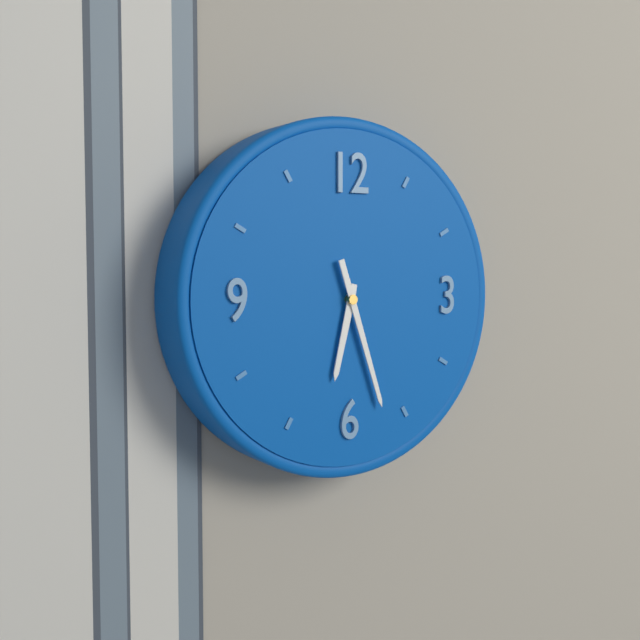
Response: 6:27
